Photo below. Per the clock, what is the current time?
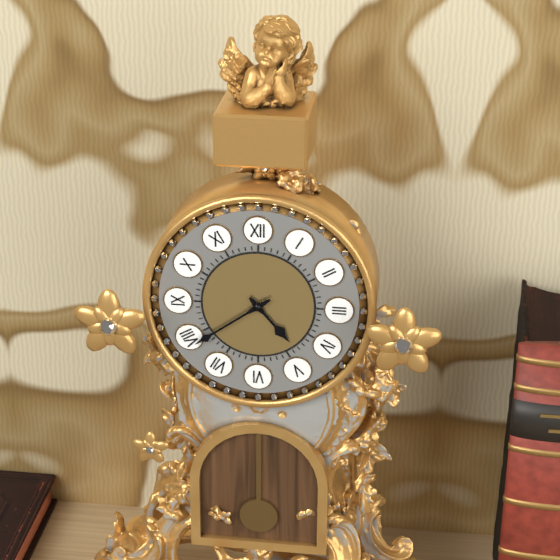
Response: 4:39
